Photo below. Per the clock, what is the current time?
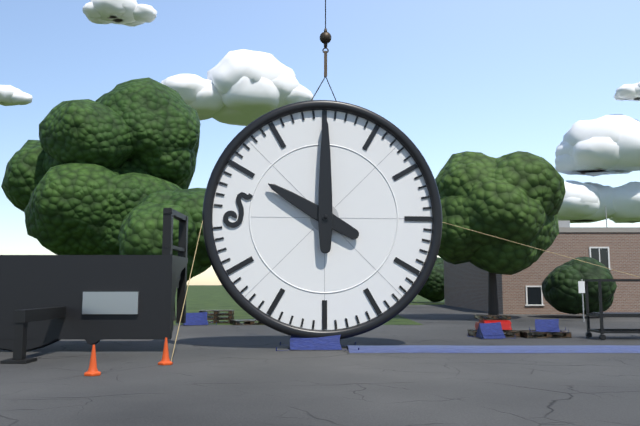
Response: 10:00
